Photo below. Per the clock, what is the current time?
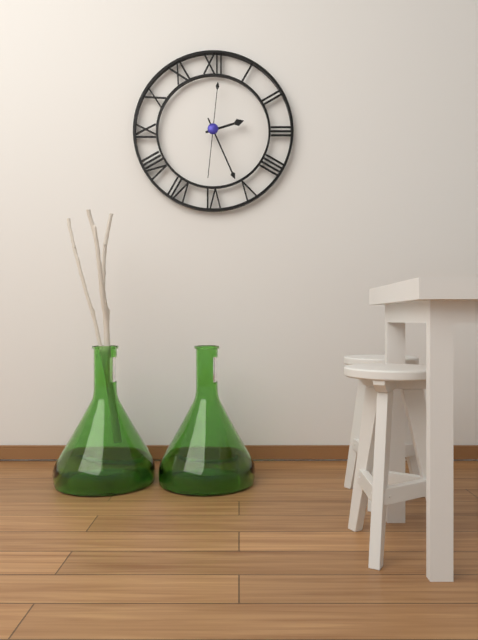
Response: 2:26:31
